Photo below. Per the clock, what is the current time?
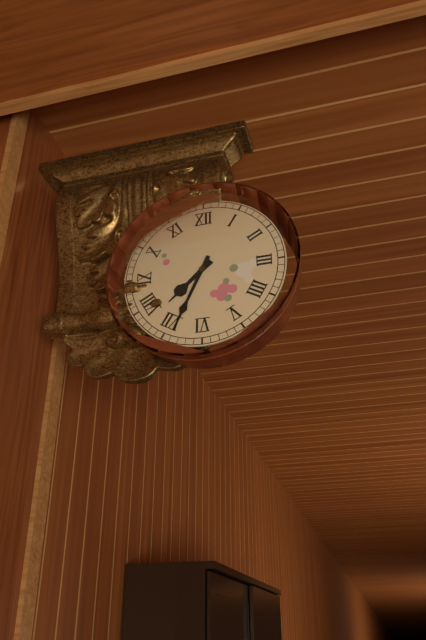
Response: 7:34
